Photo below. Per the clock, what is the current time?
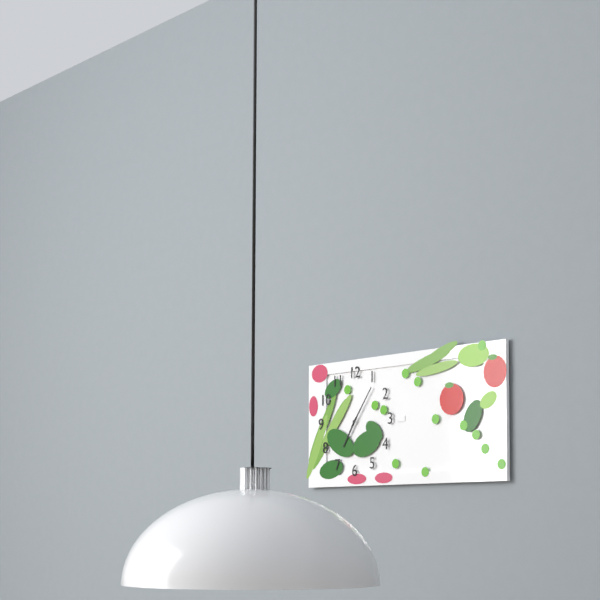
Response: 7:06
